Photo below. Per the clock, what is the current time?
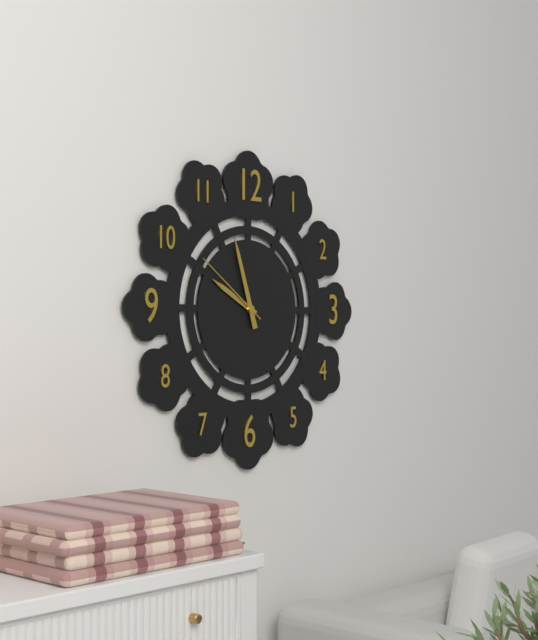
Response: 9:57:51
